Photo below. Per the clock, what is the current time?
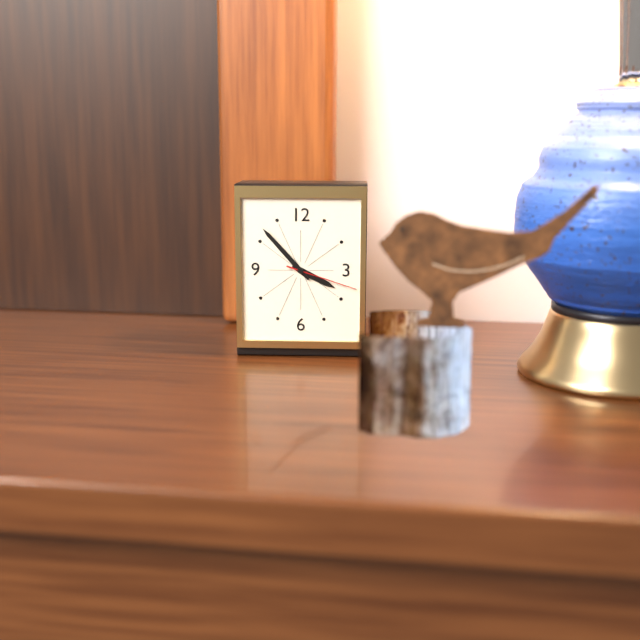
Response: 3:53:18
